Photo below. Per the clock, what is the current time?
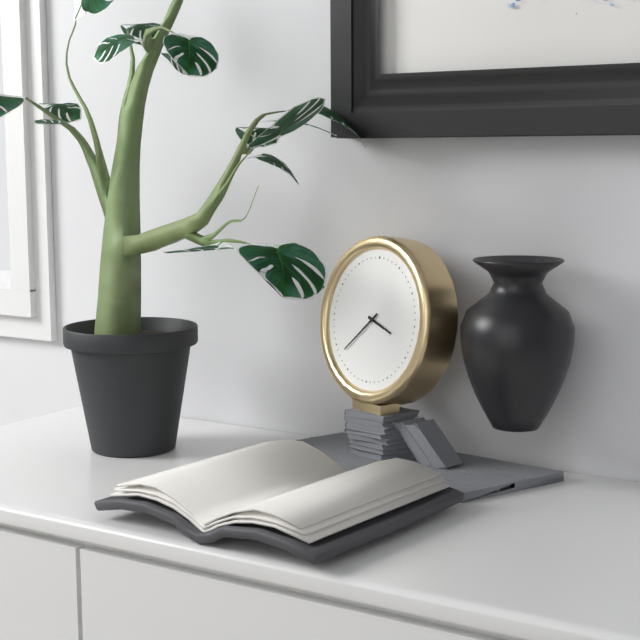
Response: 3:38
